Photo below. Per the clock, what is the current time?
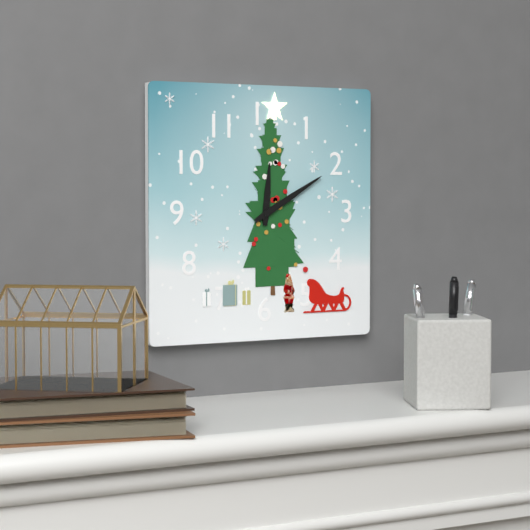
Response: 12:10
